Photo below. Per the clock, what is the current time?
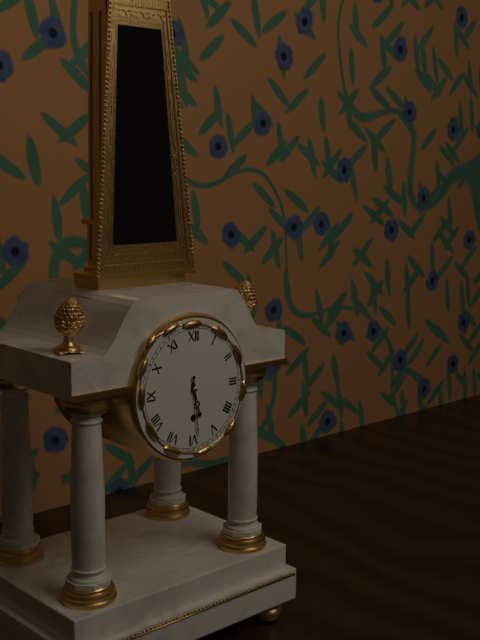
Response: 5:29
